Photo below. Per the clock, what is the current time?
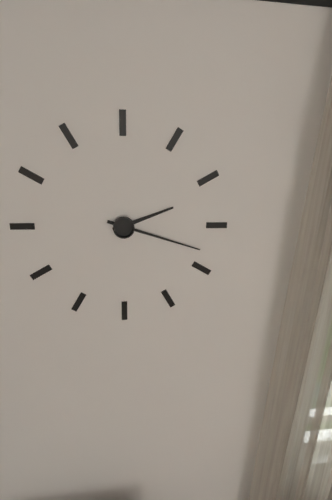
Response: 2:18
